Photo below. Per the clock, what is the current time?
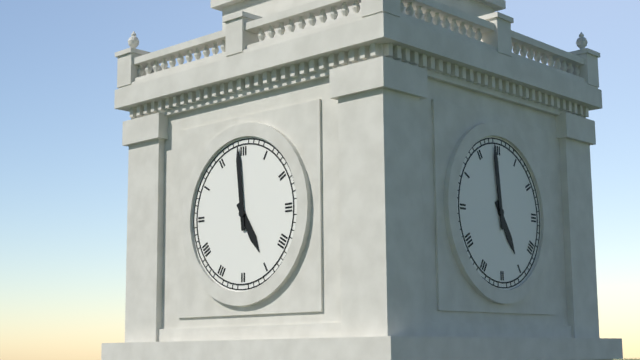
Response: 4:59
